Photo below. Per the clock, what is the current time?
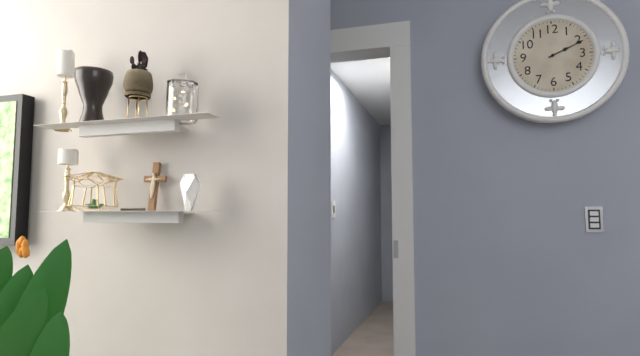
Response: 2:11
